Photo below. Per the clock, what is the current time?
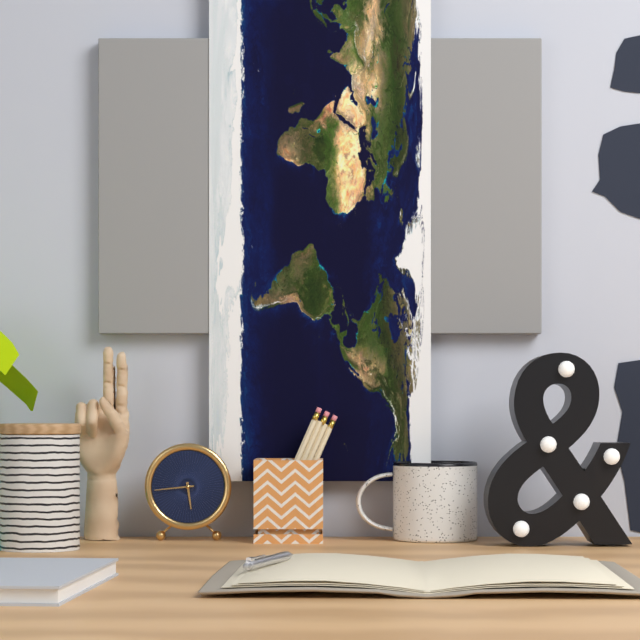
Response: 5:44
